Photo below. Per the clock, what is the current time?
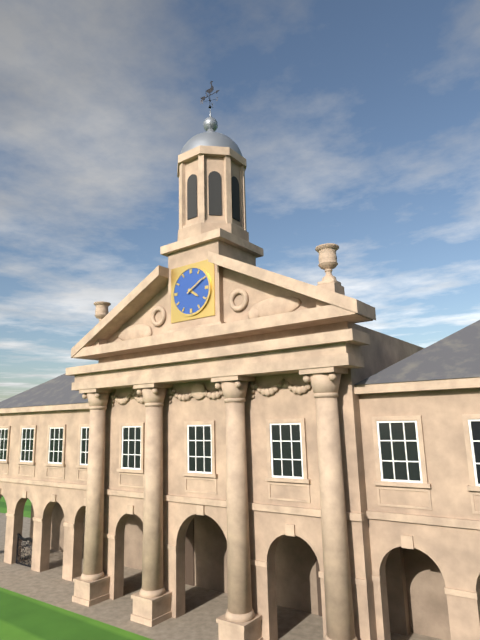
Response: 4:10
